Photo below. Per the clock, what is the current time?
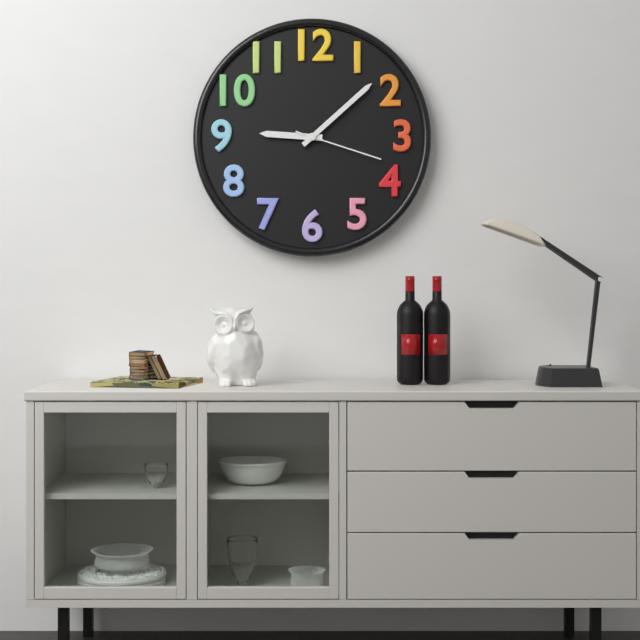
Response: 9:08:18
